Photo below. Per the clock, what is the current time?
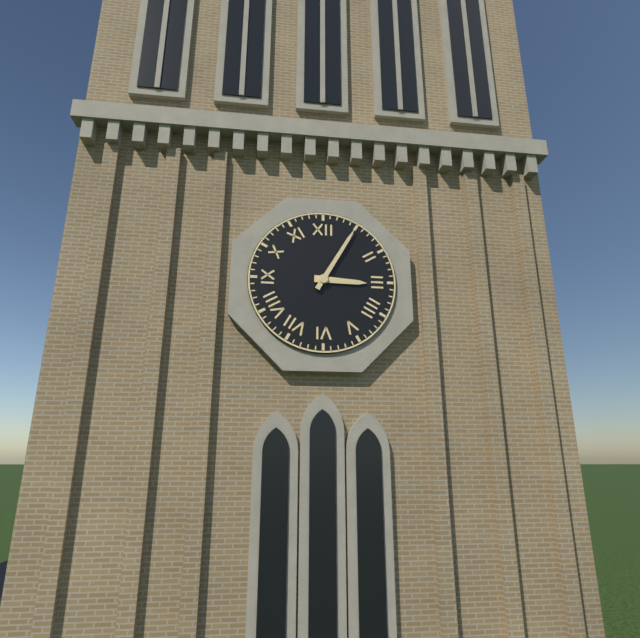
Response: 3:05
